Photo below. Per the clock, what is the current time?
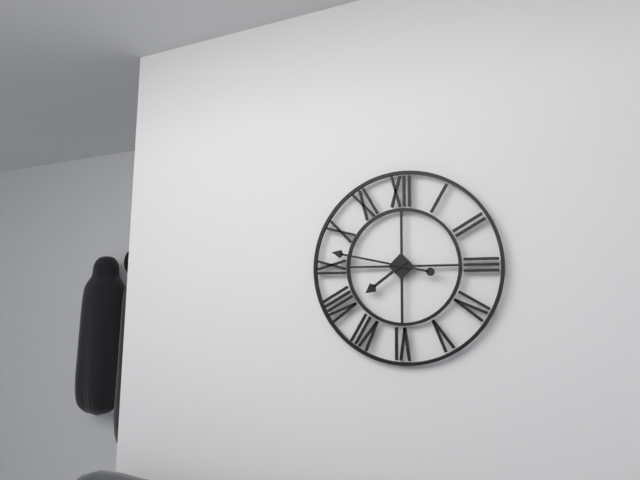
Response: 7:47
